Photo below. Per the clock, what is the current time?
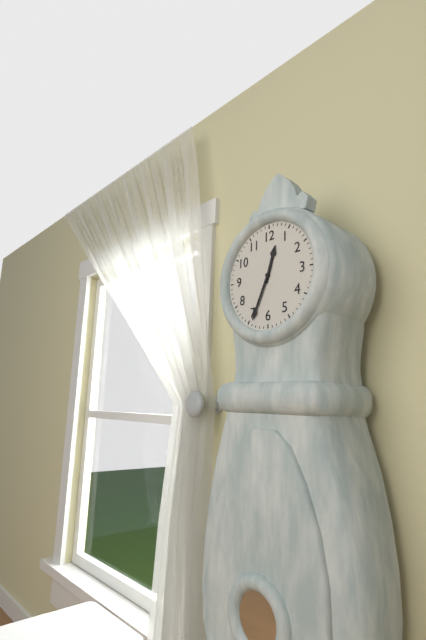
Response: 12:34
